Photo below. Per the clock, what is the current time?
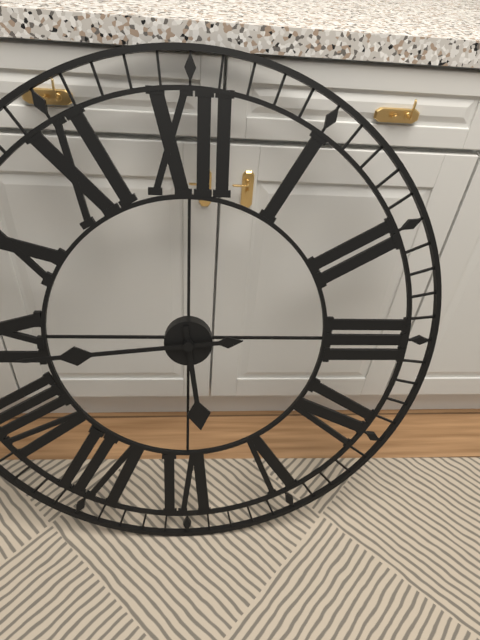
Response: 5:44
